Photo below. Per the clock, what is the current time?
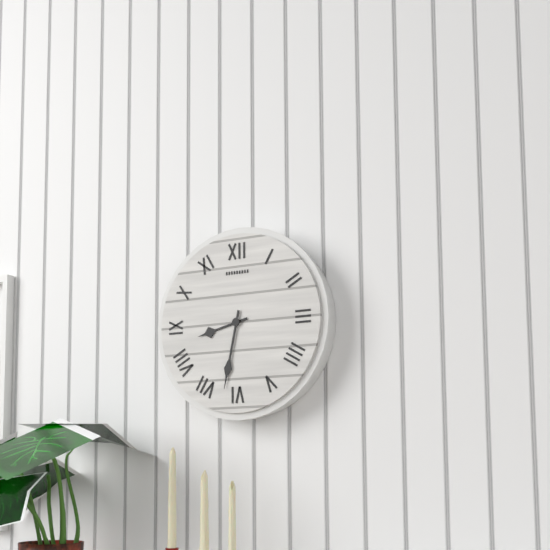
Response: 8:32
